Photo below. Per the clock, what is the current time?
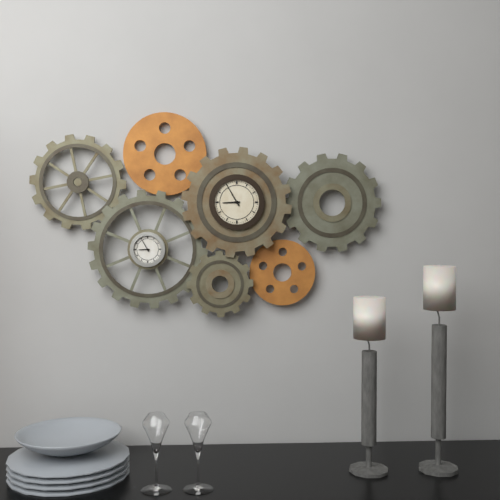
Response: 8:55
